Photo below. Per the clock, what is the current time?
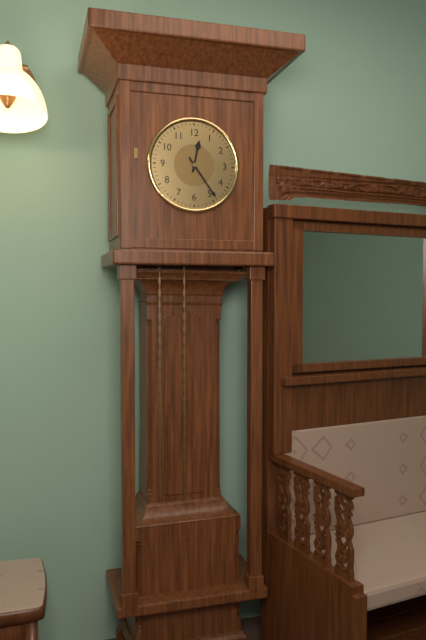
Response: 12:24
